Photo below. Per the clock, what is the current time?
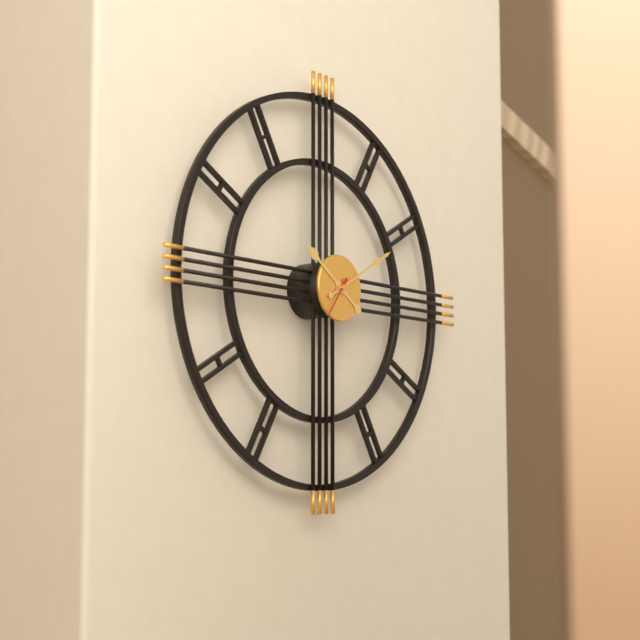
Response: 10:10
